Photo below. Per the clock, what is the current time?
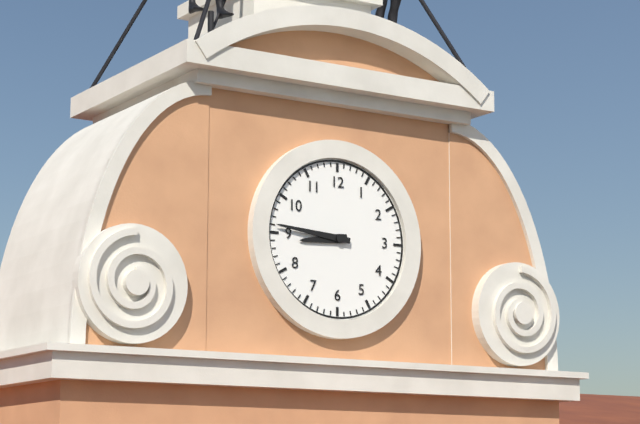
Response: 8:46
